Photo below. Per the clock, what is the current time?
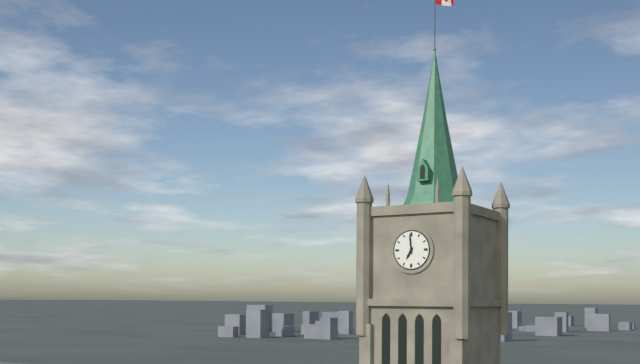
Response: 6:59
